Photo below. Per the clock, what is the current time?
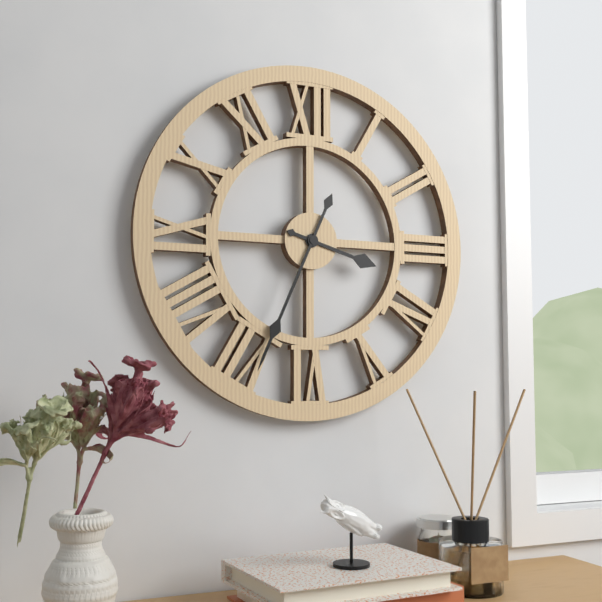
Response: 3:34
